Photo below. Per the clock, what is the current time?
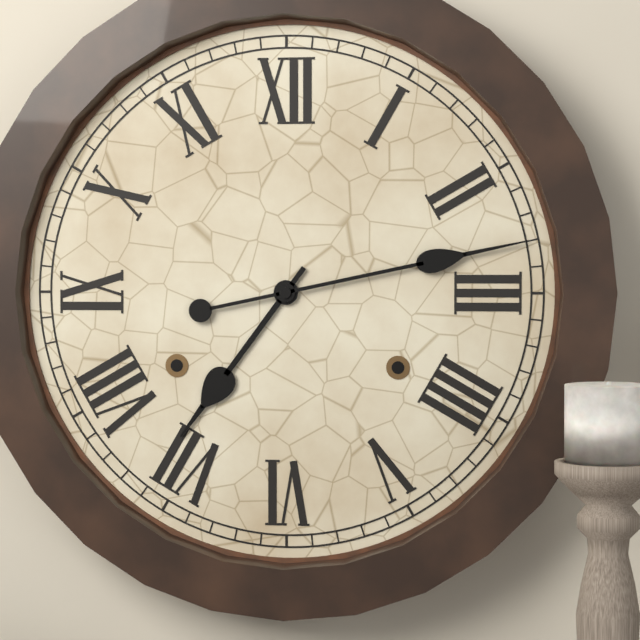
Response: 7:13
